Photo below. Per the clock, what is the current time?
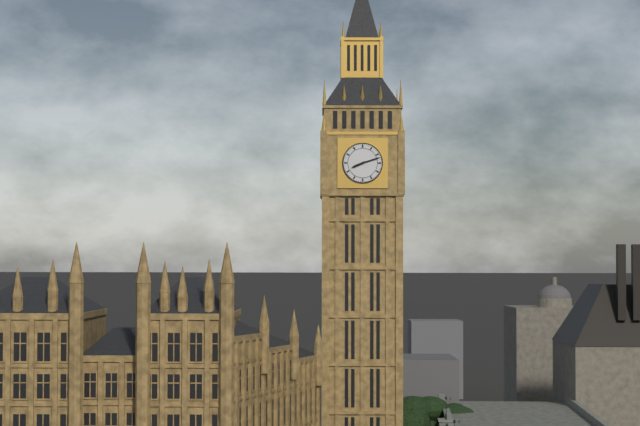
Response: 8:12
